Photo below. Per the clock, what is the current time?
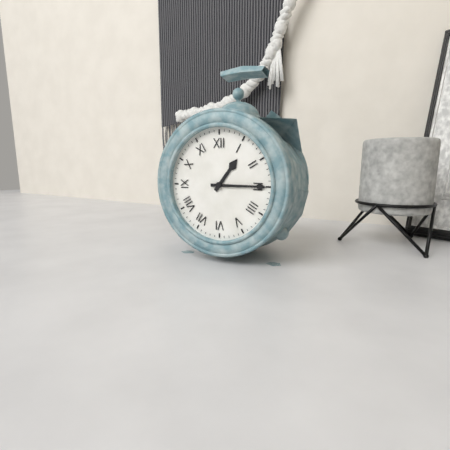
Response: 1:15
